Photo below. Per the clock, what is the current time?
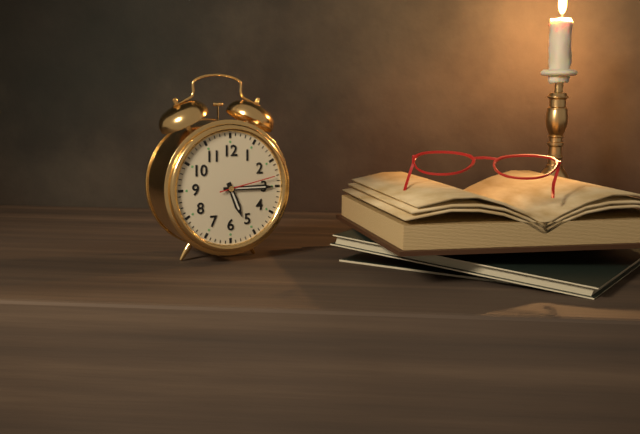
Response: 5:15:13
